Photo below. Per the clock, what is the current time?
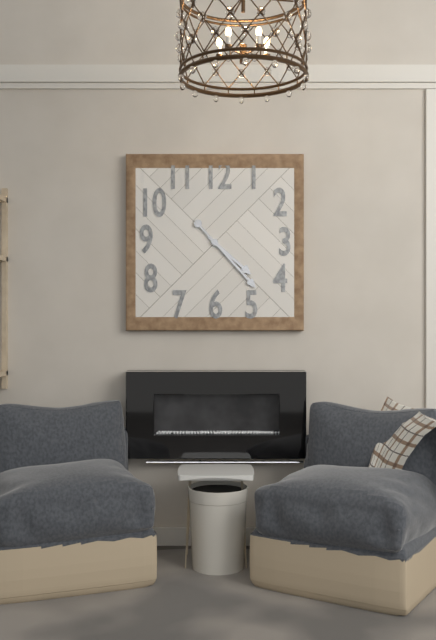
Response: 4:23
